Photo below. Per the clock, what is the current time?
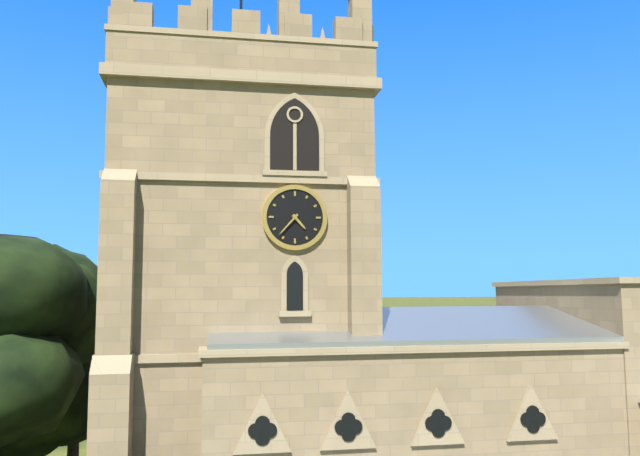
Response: 4:37
